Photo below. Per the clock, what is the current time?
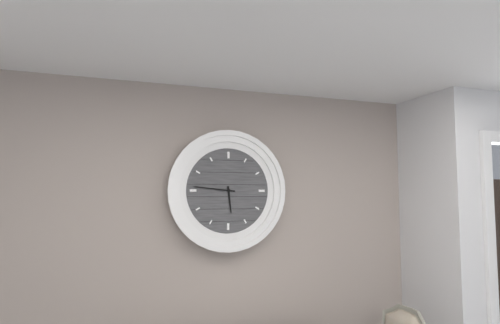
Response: 5:46
